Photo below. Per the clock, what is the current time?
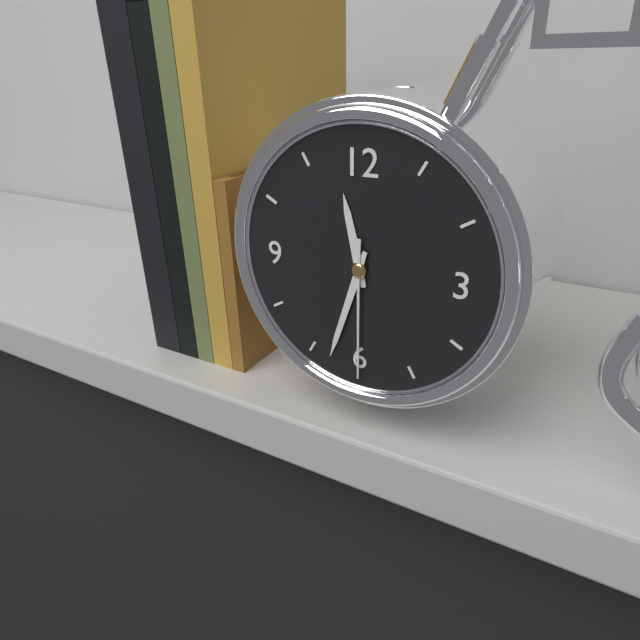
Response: 11:33:30
